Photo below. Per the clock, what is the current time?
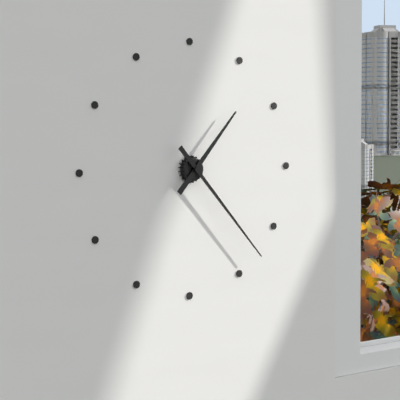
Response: 1:23
